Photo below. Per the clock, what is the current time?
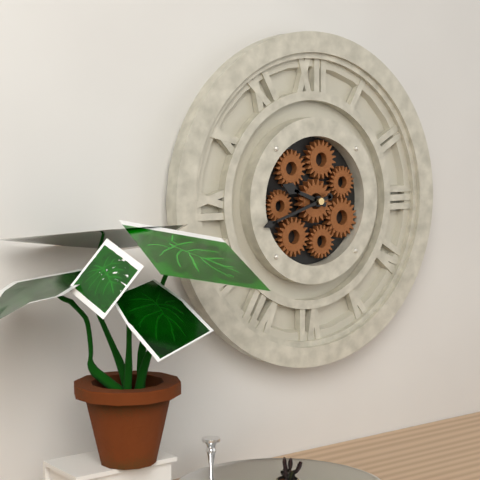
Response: 9:42
